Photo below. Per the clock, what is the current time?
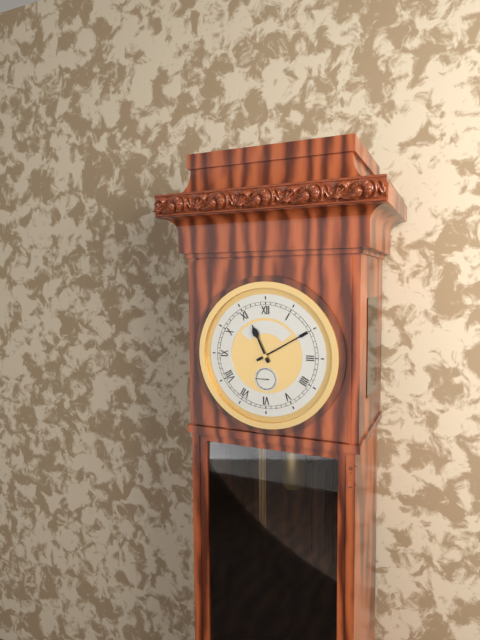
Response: 11:10
